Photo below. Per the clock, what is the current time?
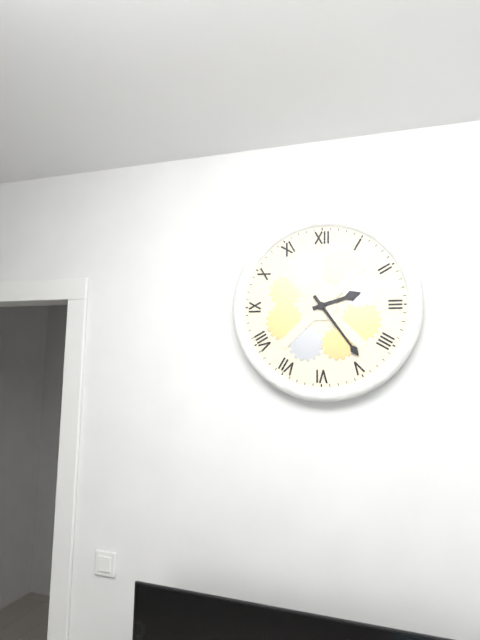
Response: 2:24
